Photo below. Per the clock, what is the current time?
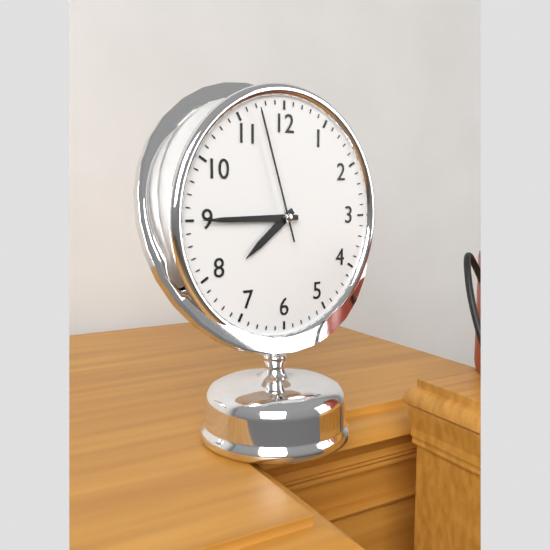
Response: 7:45:57
